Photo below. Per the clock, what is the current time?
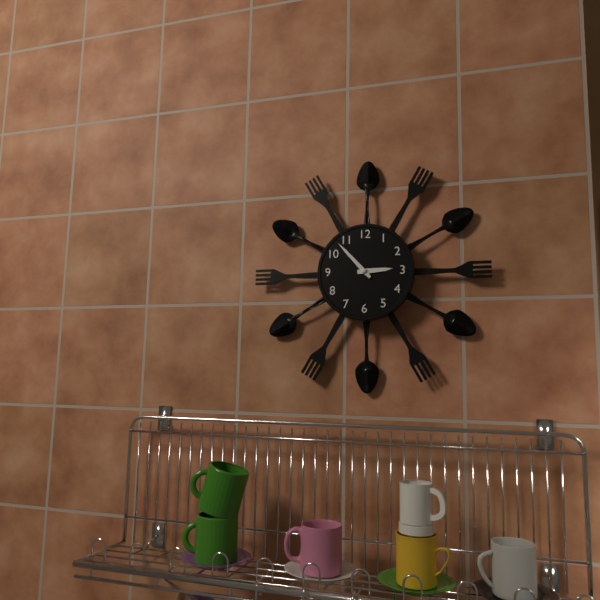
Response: 2:53
